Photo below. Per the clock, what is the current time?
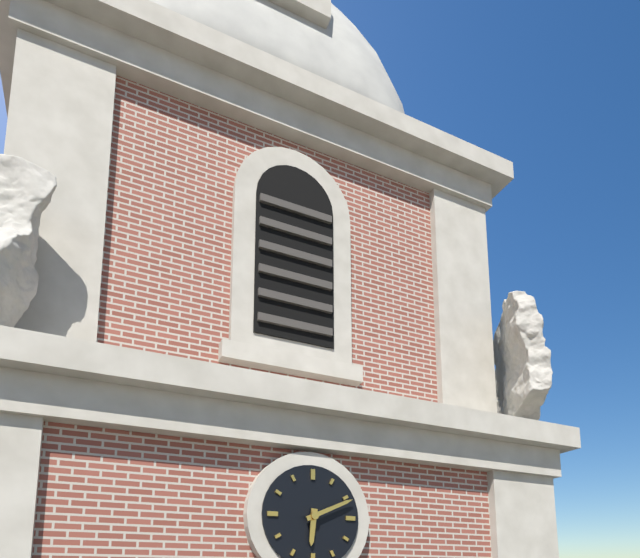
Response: 6:11
